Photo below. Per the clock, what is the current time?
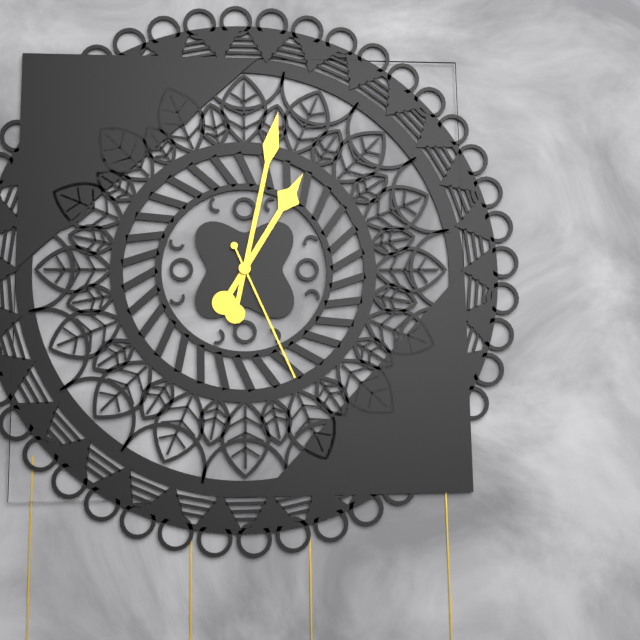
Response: 1:02:26
